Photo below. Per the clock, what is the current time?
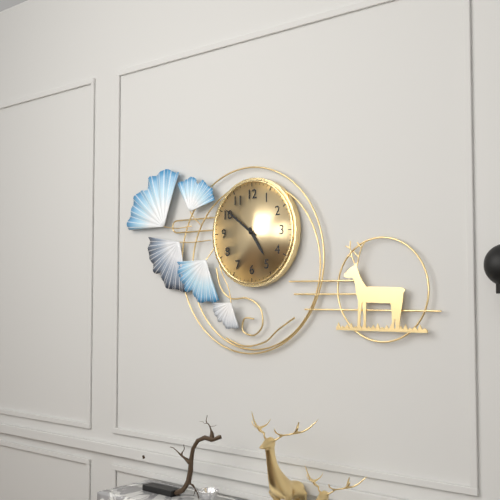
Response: 4:51
